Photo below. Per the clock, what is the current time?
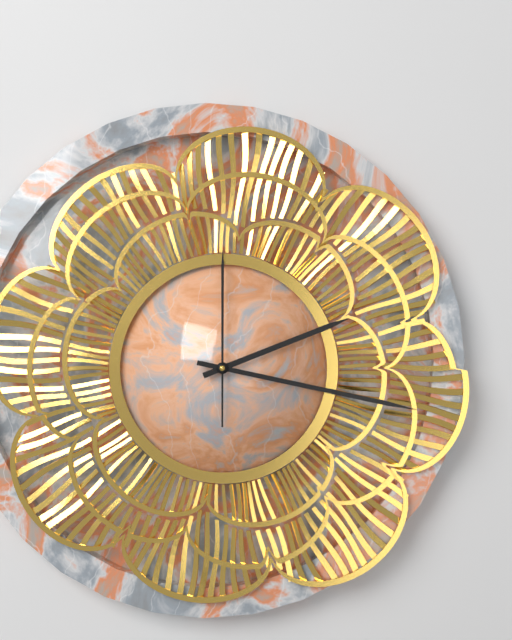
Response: 2:17:00
